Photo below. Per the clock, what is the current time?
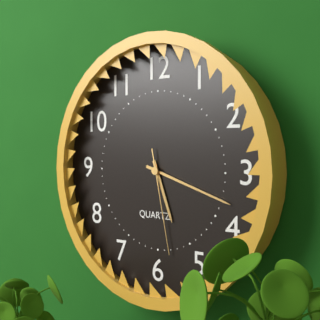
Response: 5:18:28
